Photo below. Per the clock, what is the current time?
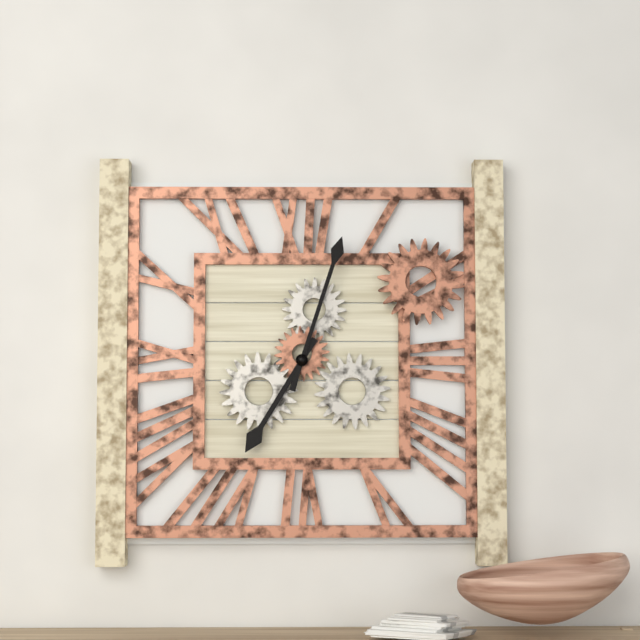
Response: 7:03
